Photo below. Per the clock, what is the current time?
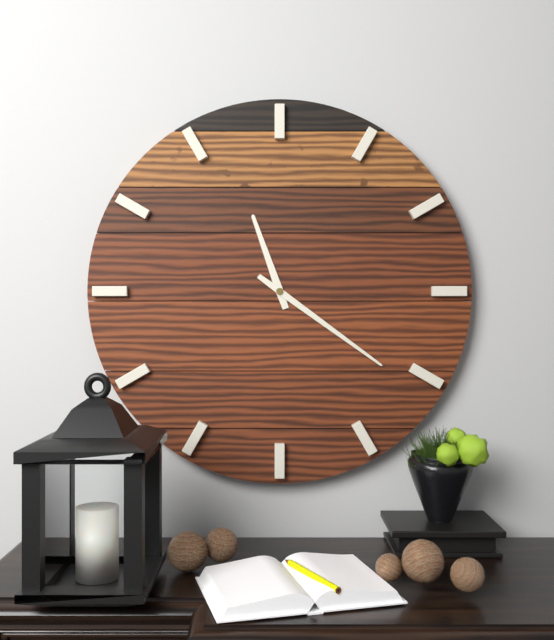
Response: 11:21
